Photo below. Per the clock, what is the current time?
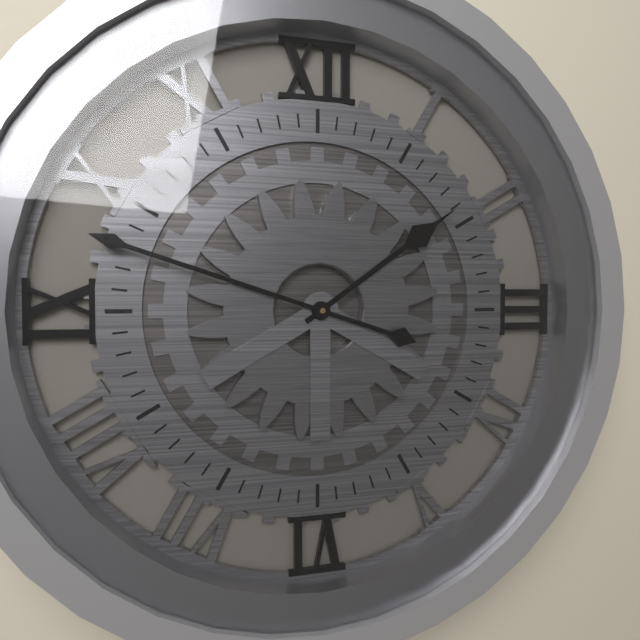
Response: 1:48
